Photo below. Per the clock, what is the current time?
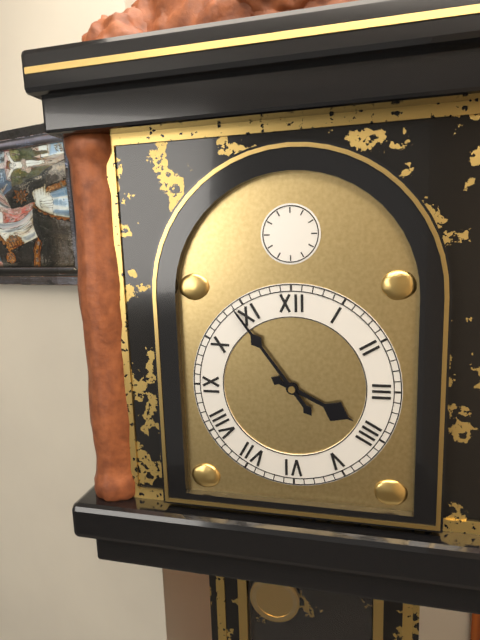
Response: 3:54
